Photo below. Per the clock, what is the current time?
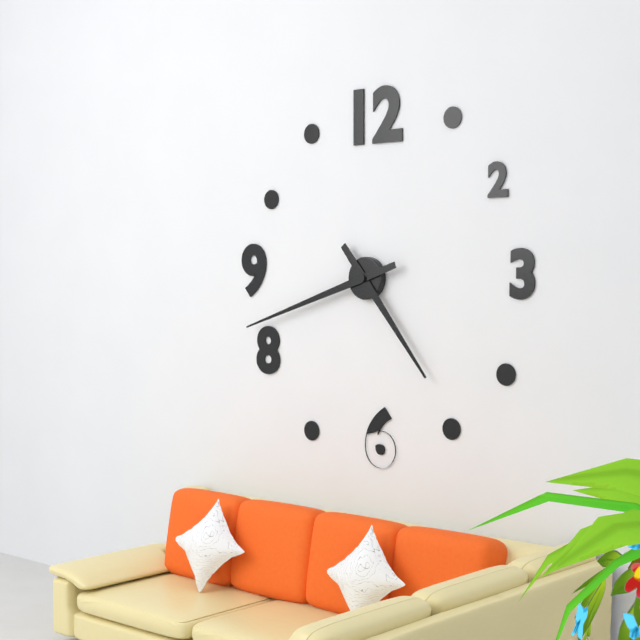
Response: 4:42
